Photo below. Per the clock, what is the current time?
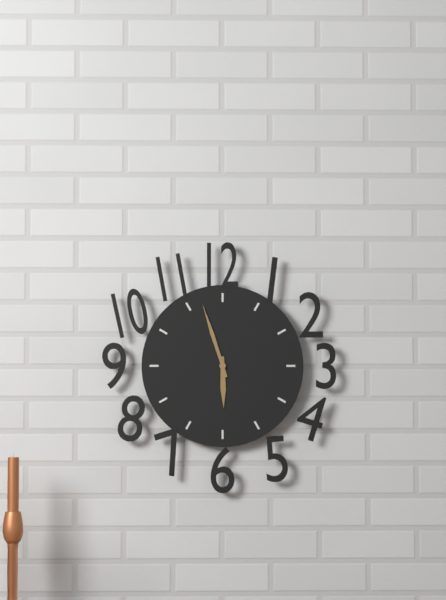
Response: 5:57
